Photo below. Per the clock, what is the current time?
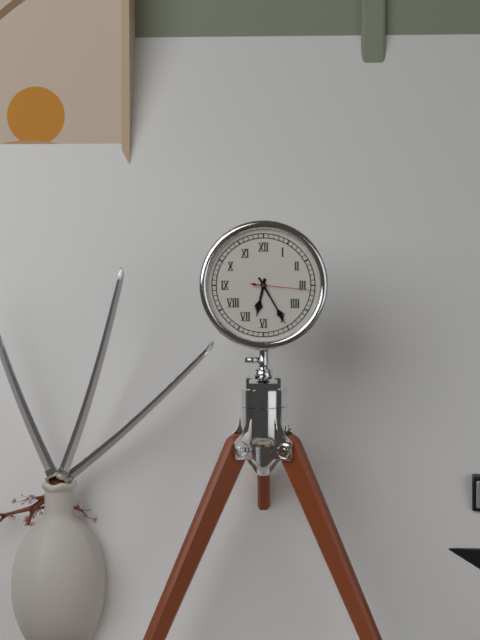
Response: 6:25:16
